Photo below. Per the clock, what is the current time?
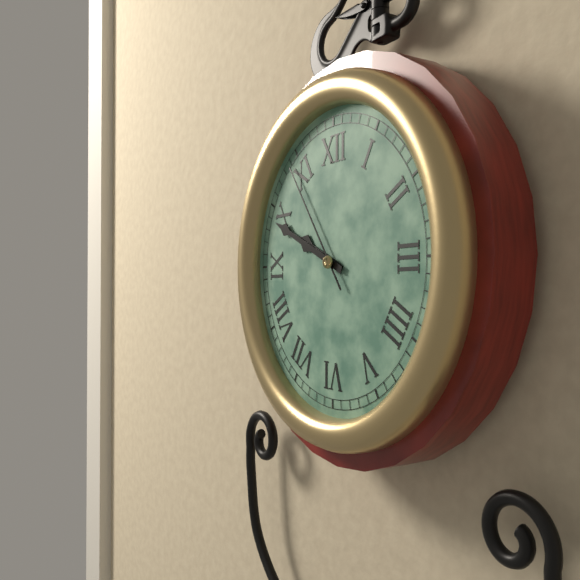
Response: 9:49:54
